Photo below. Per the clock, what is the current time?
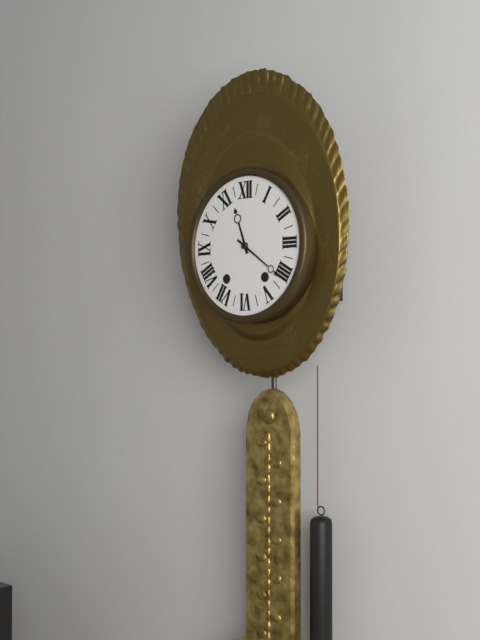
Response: 11:21
